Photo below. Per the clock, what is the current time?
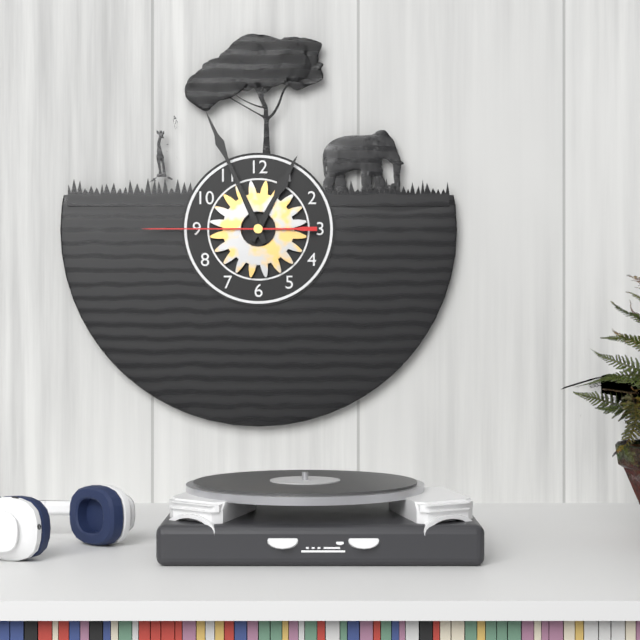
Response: 12:56:45
